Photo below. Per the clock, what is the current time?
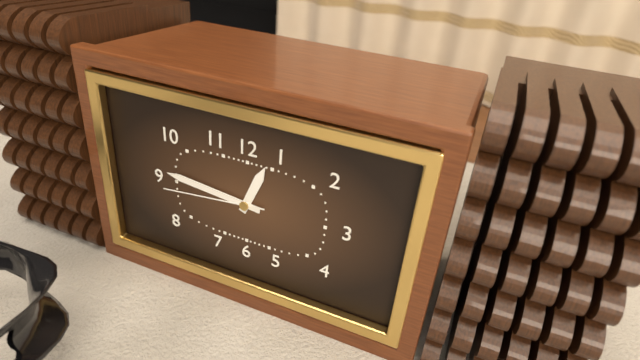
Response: 12:46:44
